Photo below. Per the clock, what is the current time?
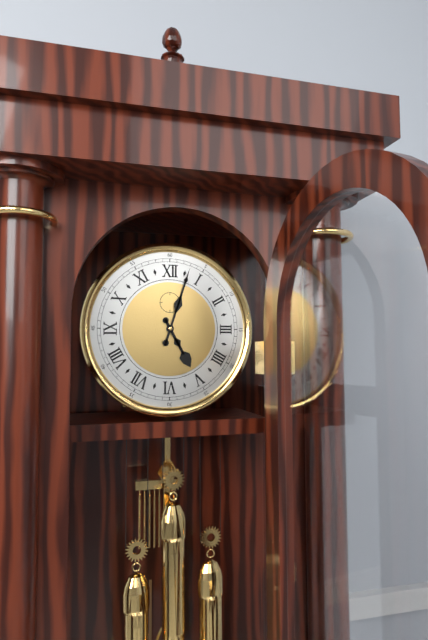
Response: 5:03
